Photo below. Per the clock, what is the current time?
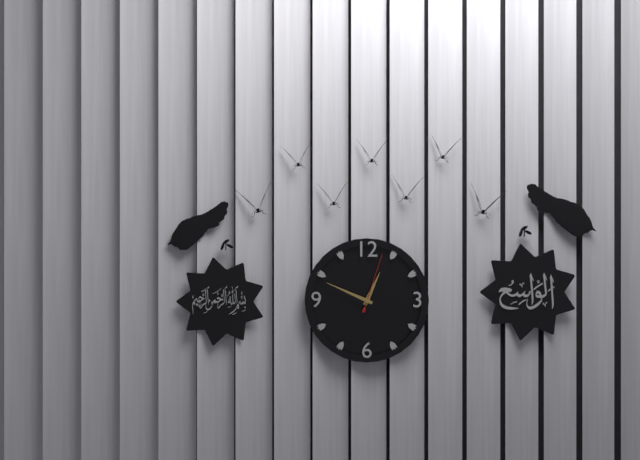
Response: 12:49:03
